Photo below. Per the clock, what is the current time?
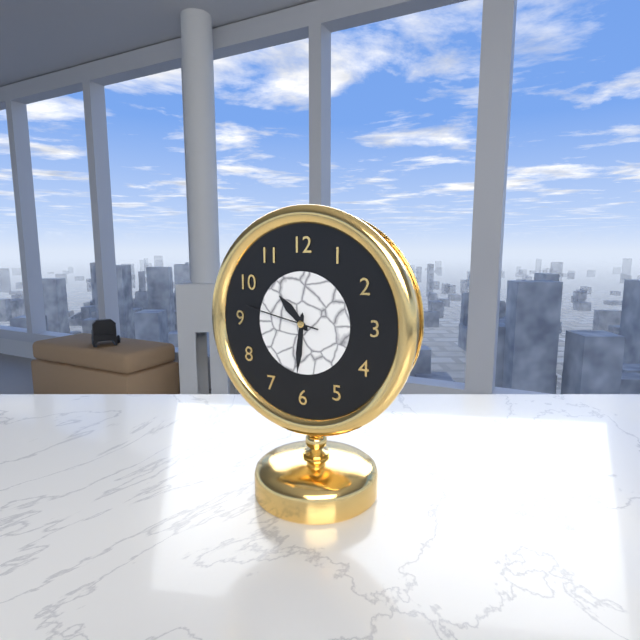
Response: 10:31:47
